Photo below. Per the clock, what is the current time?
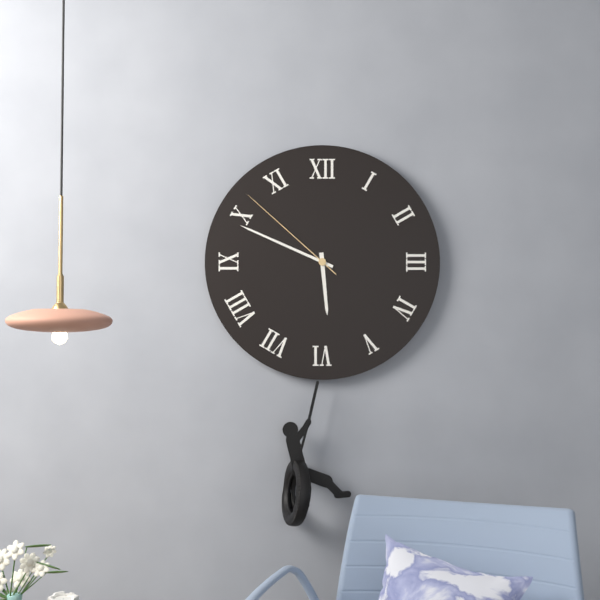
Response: 5:49:52
